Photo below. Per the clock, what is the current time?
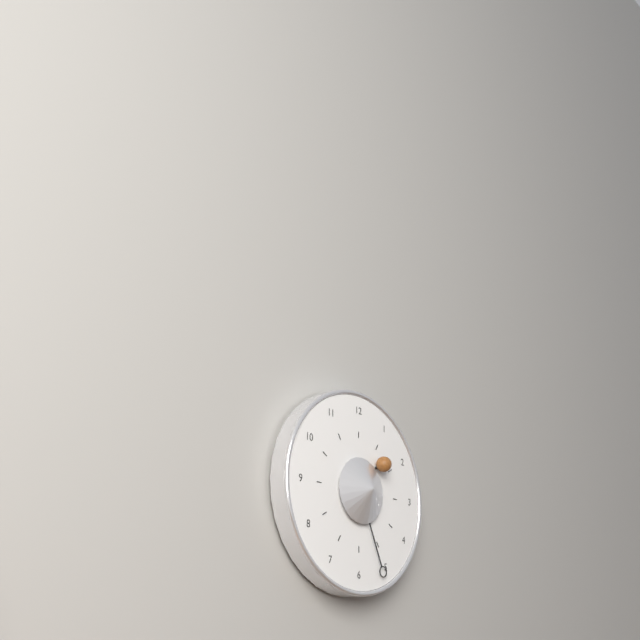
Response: 1:26
